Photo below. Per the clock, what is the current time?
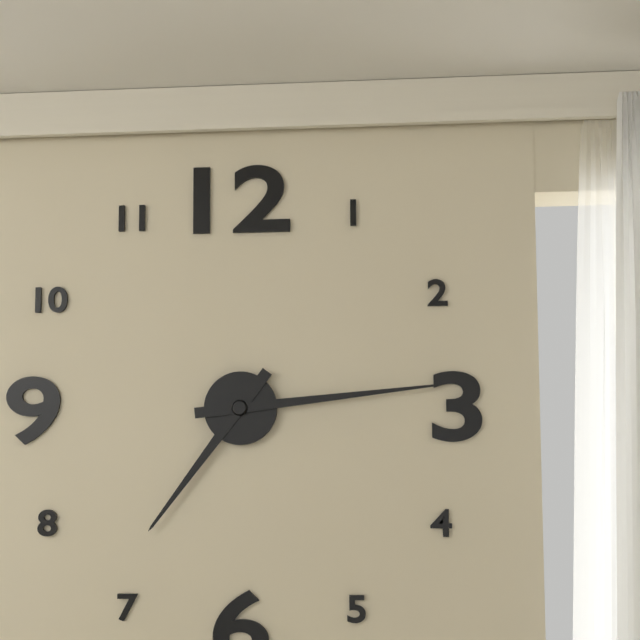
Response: 7:14
